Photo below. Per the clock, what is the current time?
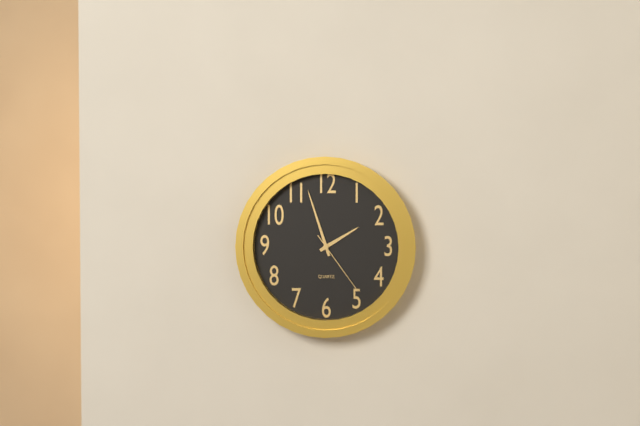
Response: 1:57:24
